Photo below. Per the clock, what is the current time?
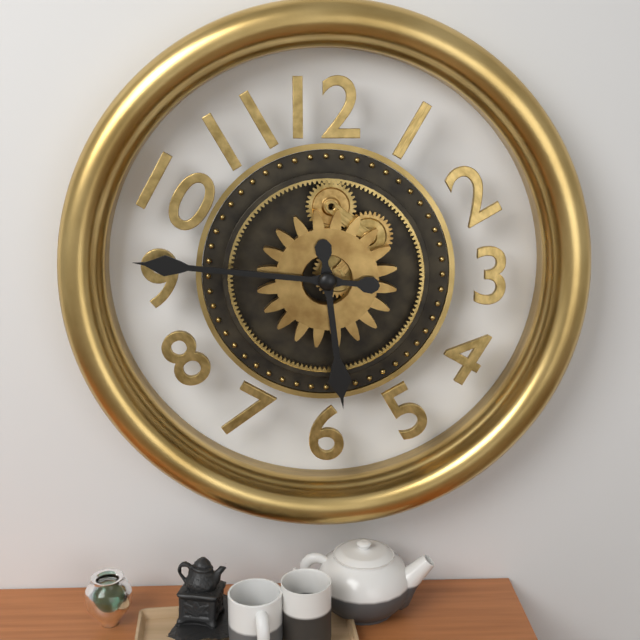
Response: 5:46
